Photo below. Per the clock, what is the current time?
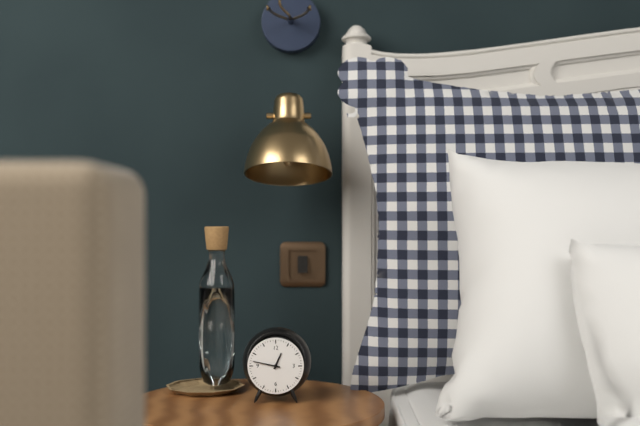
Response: 12:47
